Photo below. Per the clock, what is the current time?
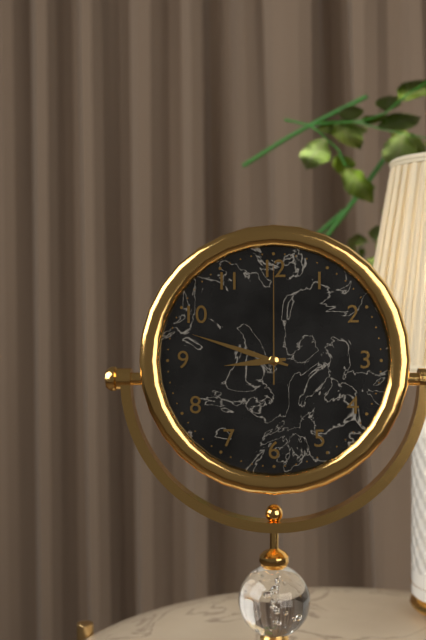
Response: 8:48:00
